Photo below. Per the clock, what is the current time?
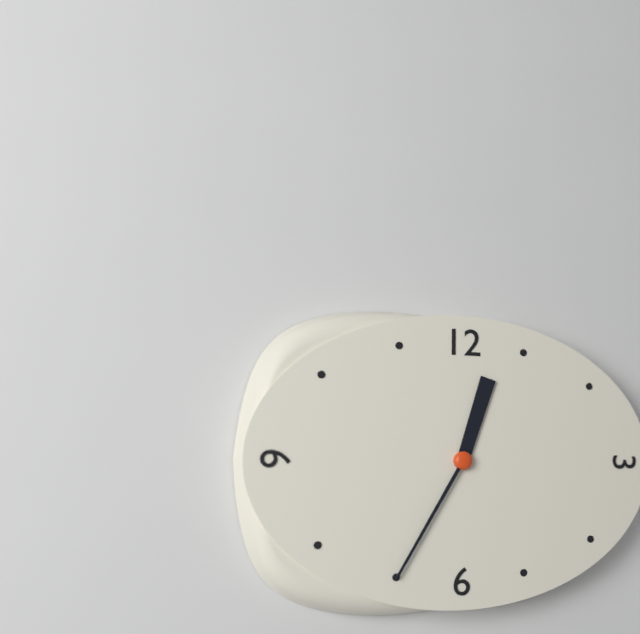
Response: 12:35
